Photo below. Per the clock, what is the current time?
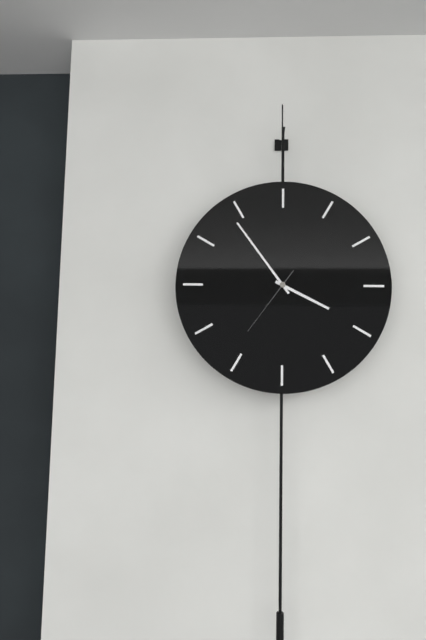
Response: 3:54:36
